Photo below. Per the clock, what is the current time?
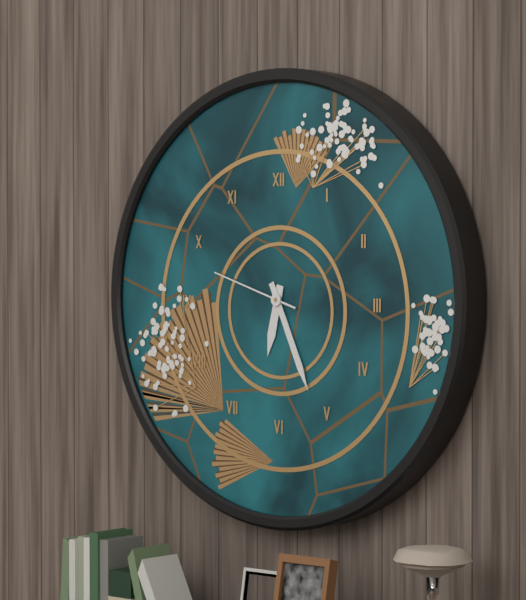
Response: 6:26:48
